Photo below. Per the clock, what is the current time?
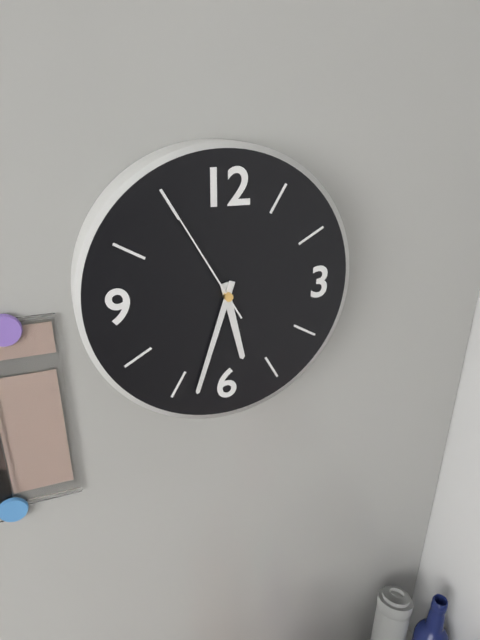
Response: 5:33:55
